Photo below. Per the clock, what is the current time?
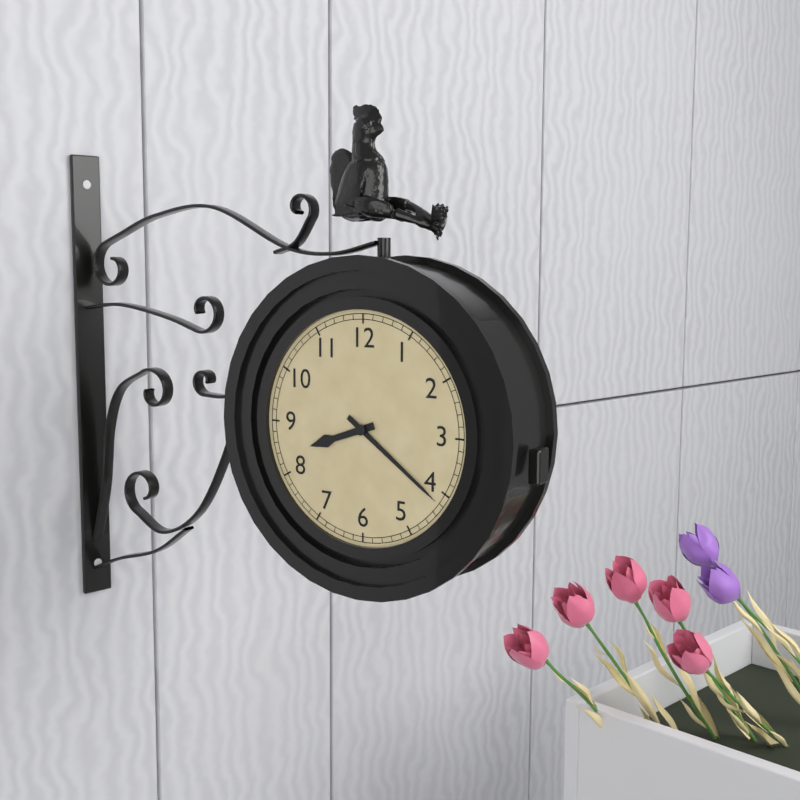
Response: 8:21
